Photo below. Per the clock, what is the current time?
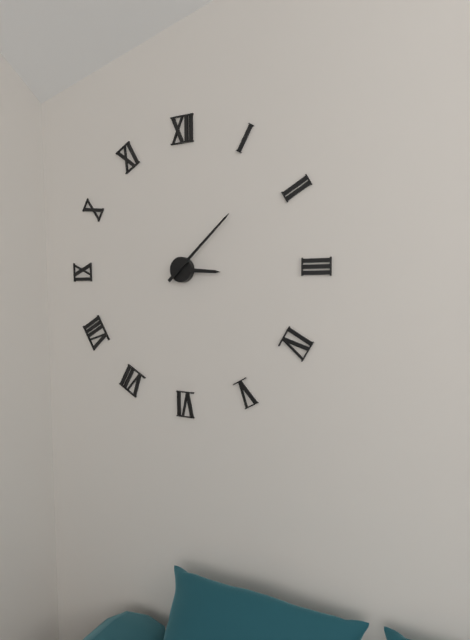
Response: 3:08
